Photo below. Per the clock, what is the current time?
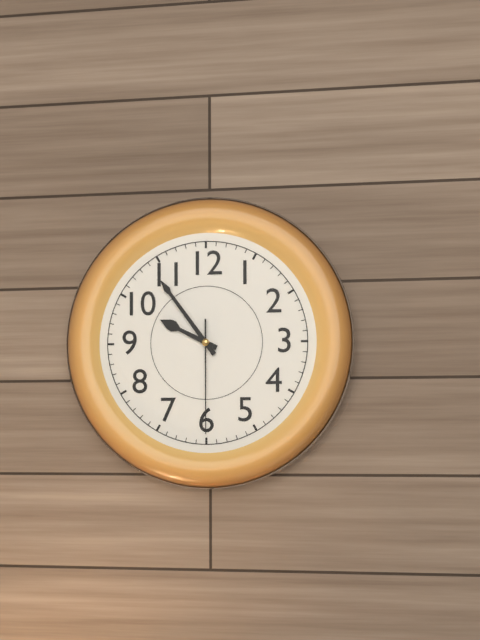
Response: 9:54:30
